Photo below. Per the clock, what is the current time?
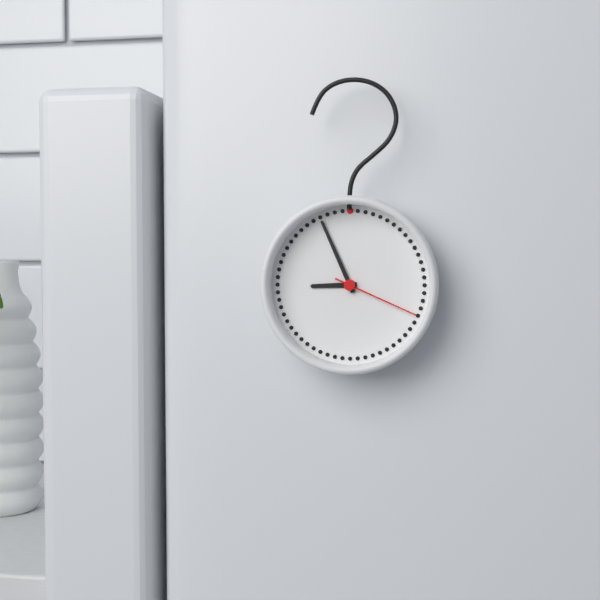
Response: 8:56:19
